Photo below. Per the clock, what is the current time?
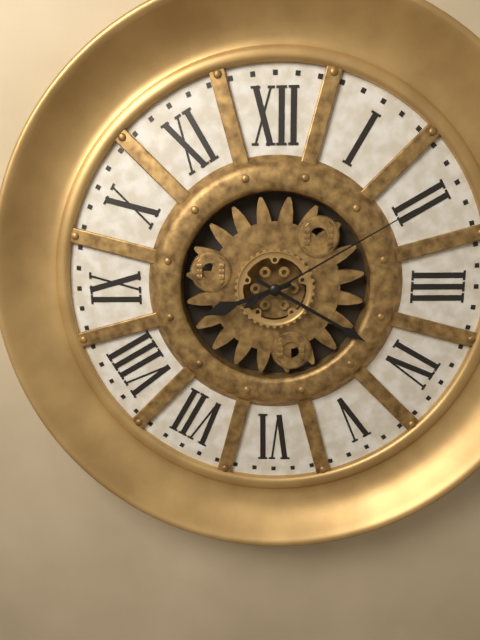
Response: 8:20:10
